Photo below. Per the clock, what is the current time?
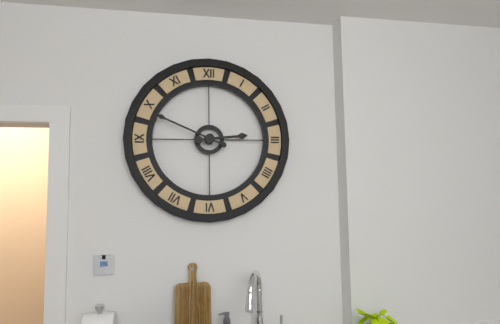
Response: 2:49
